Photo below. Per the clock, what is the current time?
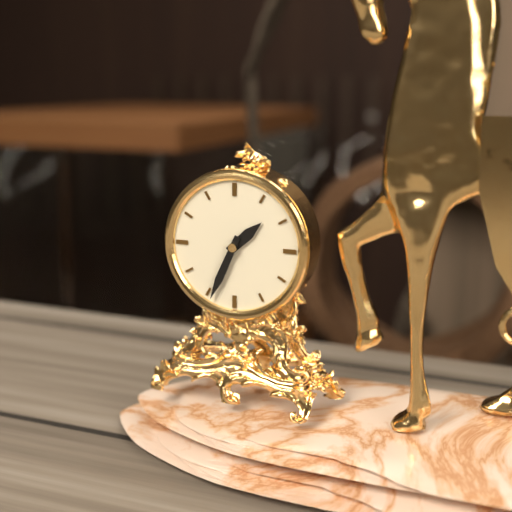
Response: 1:34
